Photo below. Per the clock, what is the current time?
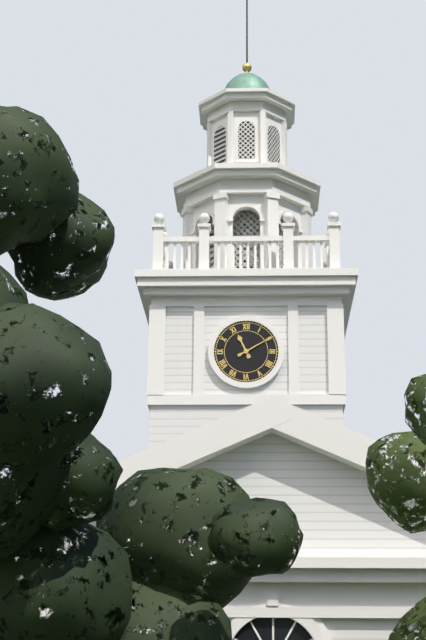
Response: 11:10
